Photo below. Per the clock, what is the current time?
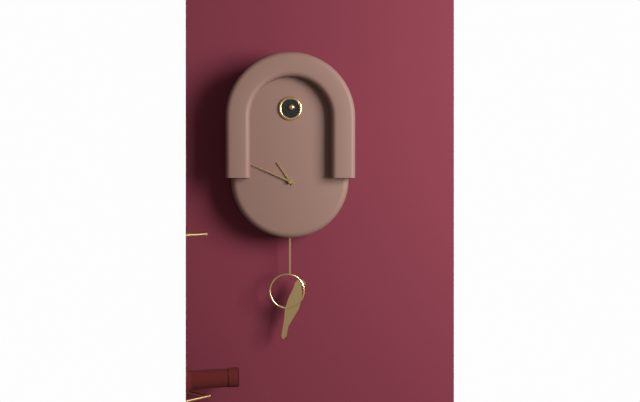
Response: 10:49
